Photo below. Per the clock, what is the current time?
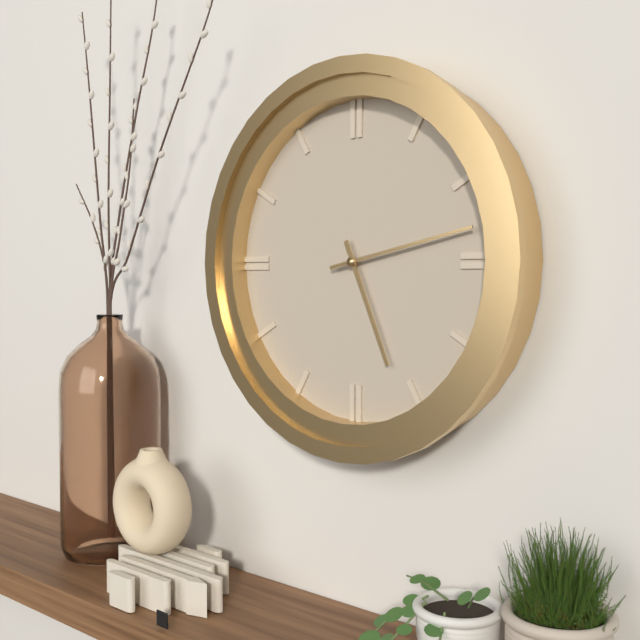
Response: 5:13
